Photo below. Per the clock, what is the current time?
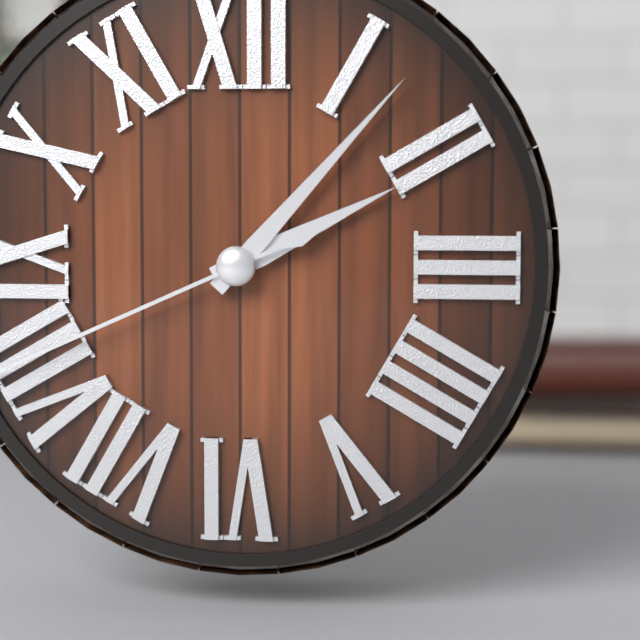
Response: 2:07
